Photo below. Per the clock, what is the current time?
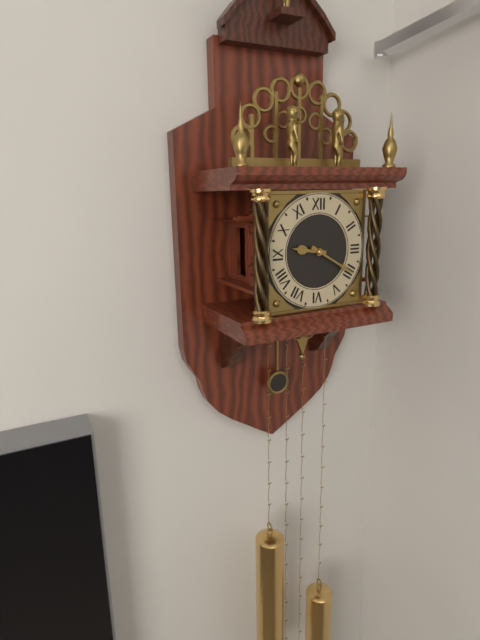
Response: 9:20
